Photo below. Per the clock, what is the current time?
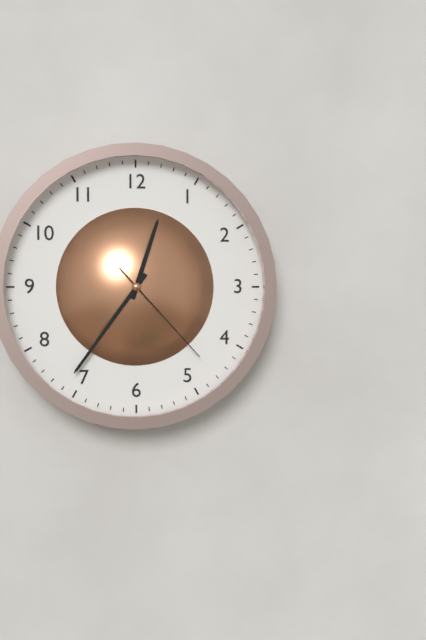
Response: 12:36:23
